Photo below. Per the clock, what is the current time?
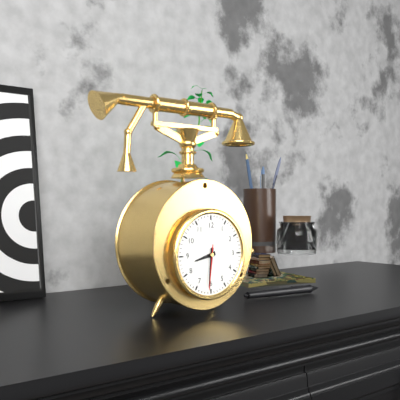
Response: 8:31
